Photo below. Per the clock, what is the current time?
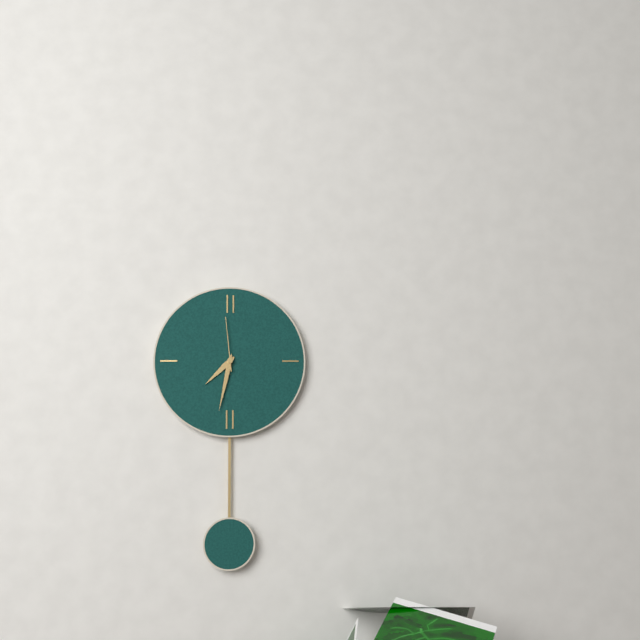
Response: 7:32:59
